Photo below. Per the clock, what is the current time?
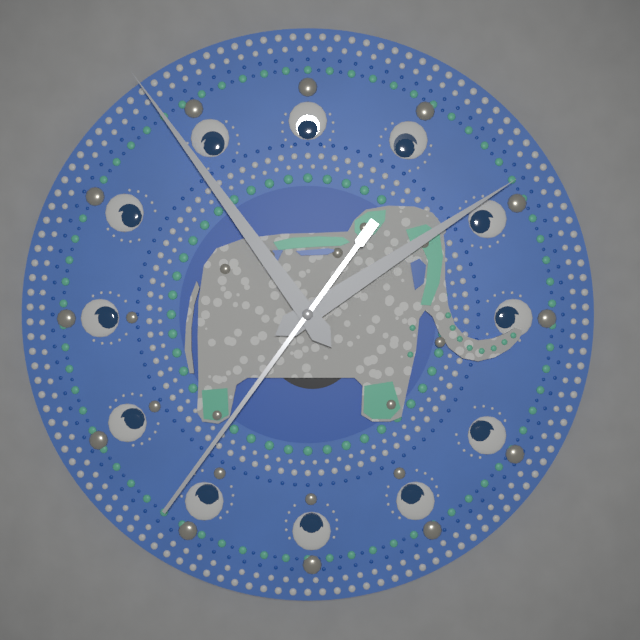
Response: 1:54:36
